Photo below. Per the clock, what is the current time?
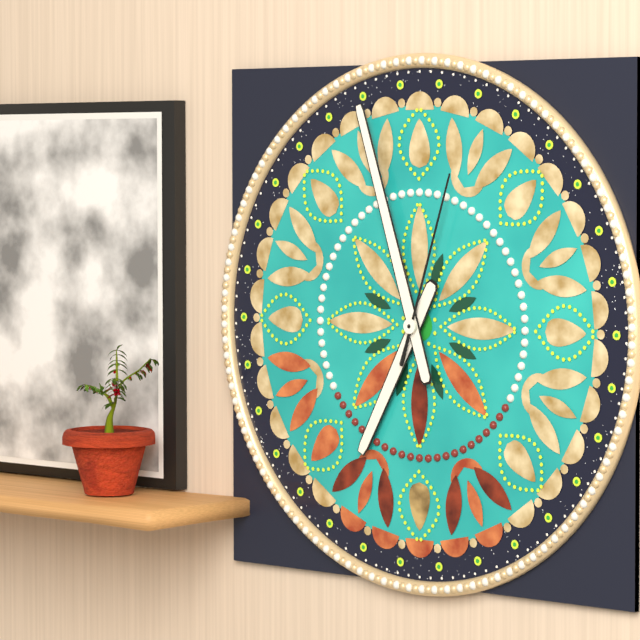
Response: 6:57:03
